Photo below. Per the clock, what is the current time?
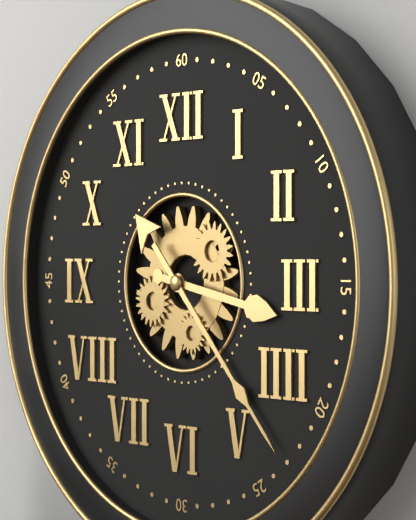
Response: 3:23
